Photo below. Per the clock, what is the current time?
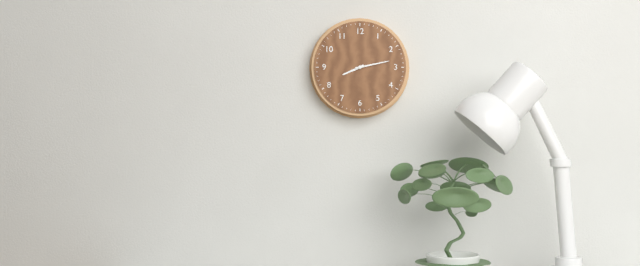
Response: 8:13
